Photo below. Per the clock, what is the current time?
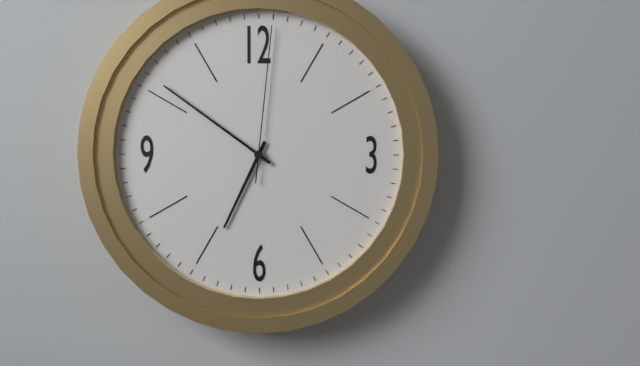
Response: 6:51:01
